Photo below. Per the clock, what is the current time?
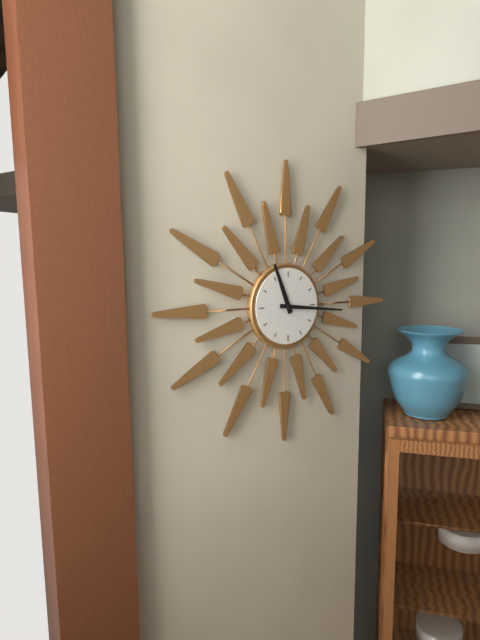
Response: 11:16
